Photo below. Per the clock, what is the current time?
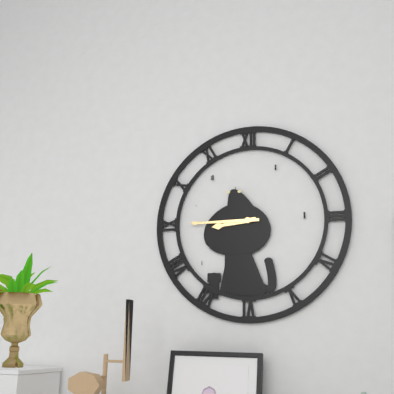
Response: 8:45
